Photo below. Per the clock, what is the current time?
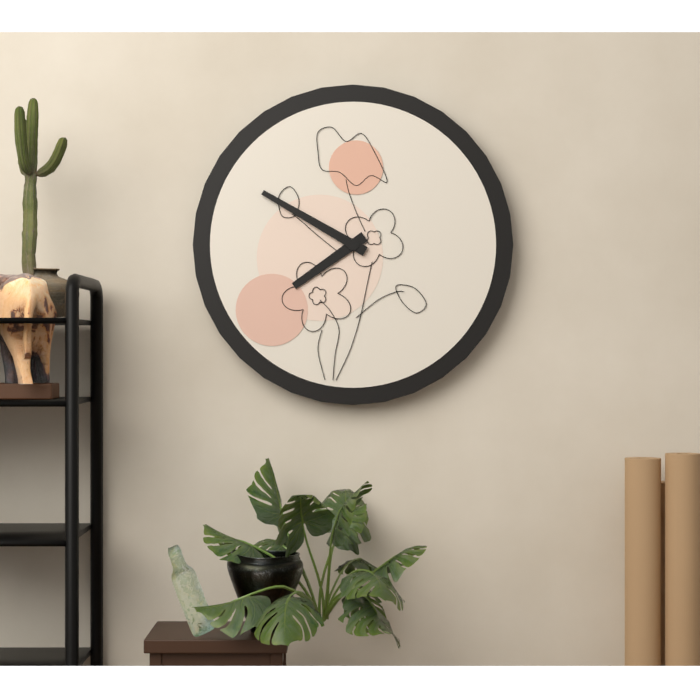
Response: 7:50
